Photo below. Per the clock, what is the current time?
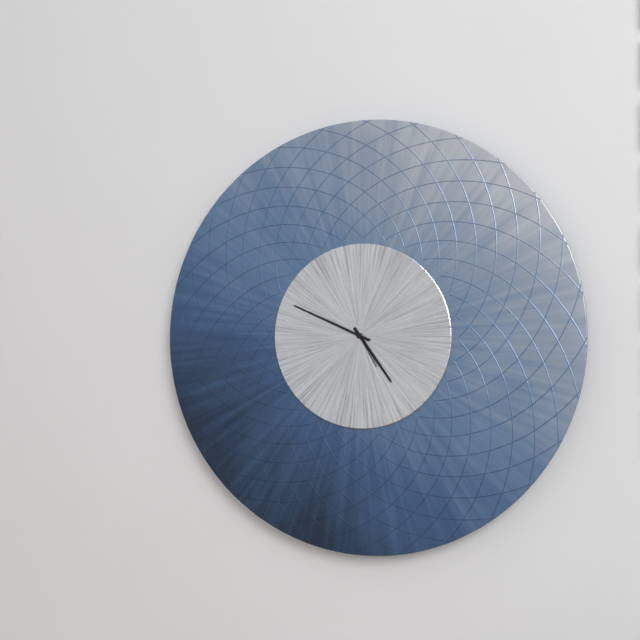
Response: 4:49
